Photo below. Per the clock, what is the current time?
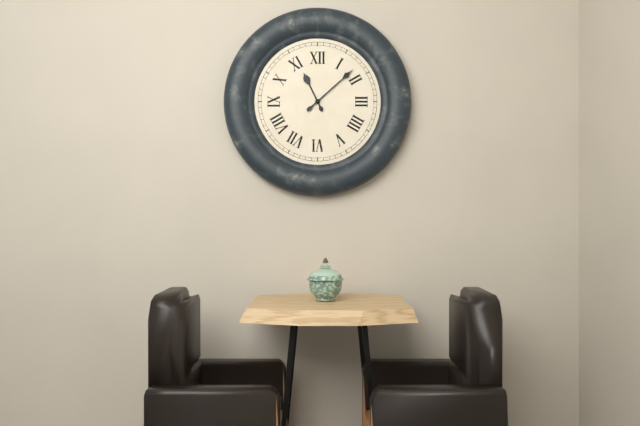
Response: 11:08
